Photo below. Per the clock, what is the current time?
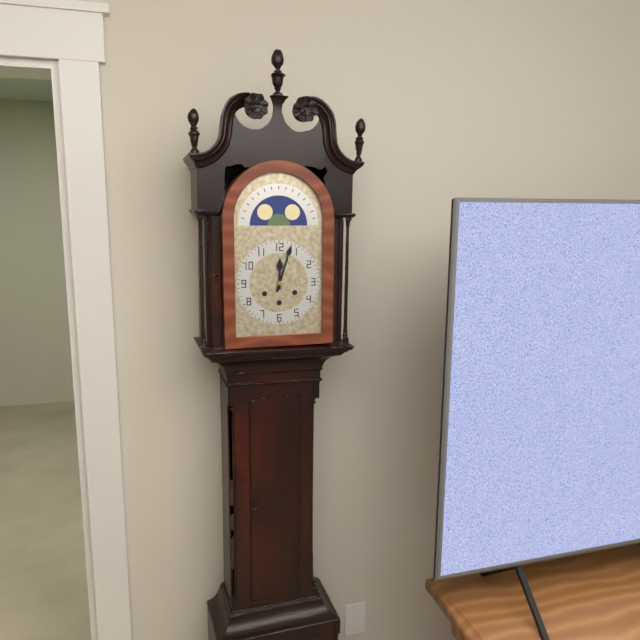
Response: 12:03
